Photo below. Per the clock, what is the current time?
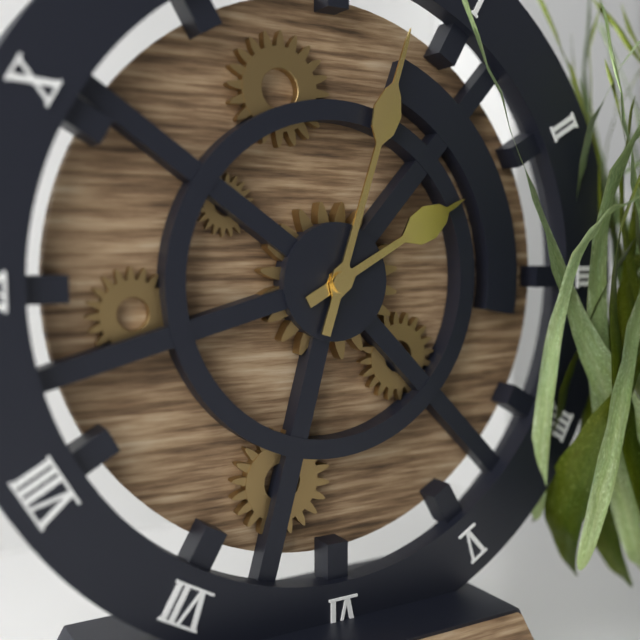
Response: 2:03
